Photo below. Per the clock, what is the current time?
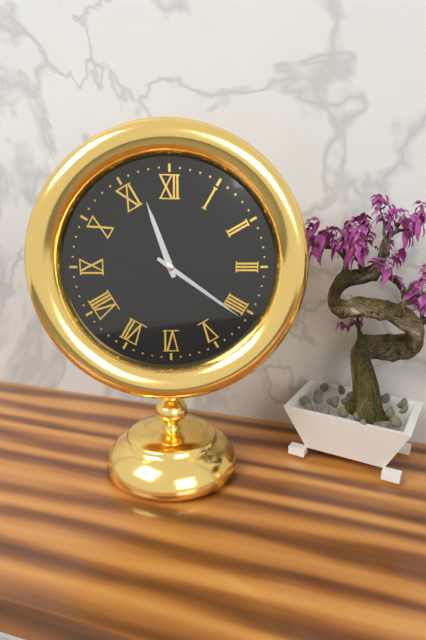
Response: 11:21
